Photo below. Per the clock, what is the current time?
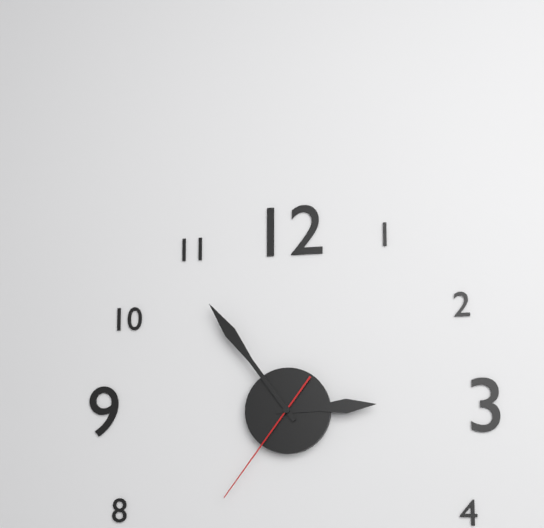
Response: 2:54:36
